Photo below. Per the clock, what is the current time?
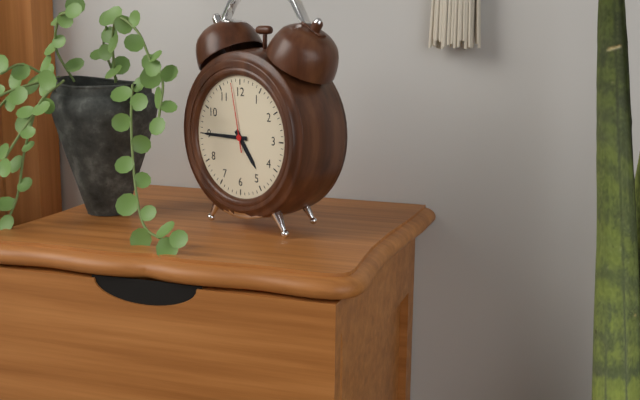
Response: 4:45:58
